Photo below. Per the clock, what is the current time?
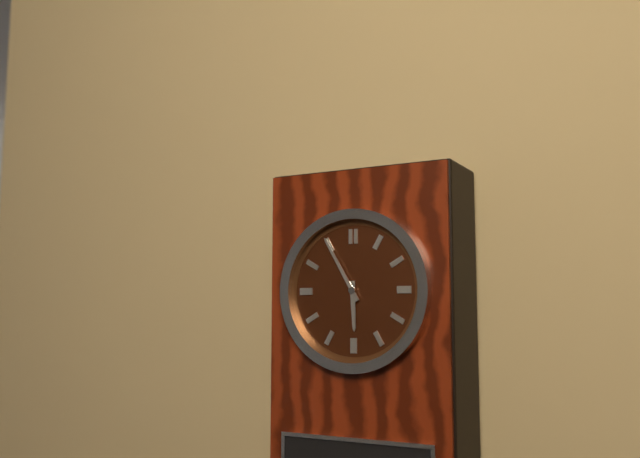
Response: 5:55
